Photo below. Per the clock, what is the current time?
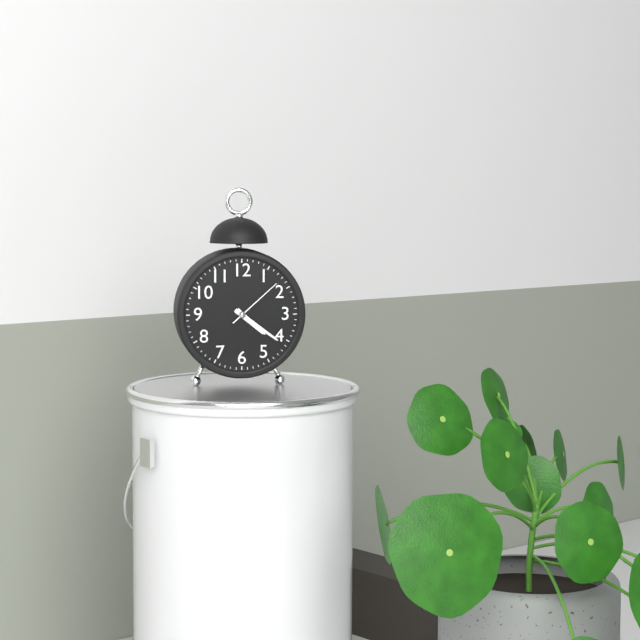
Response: 4:21:08
